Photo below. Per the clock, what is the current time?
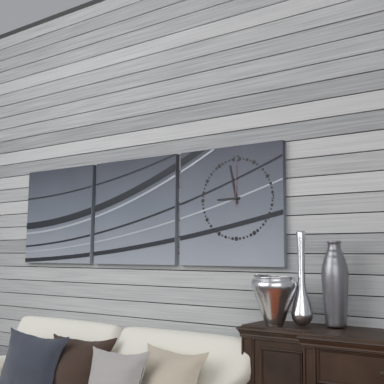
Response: 8:58
